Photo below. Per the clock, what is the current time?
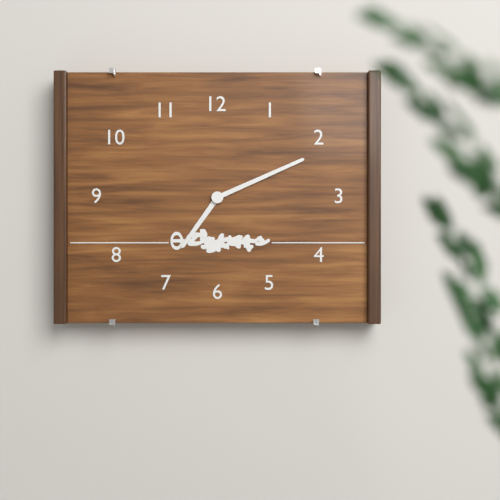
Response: 7:11
